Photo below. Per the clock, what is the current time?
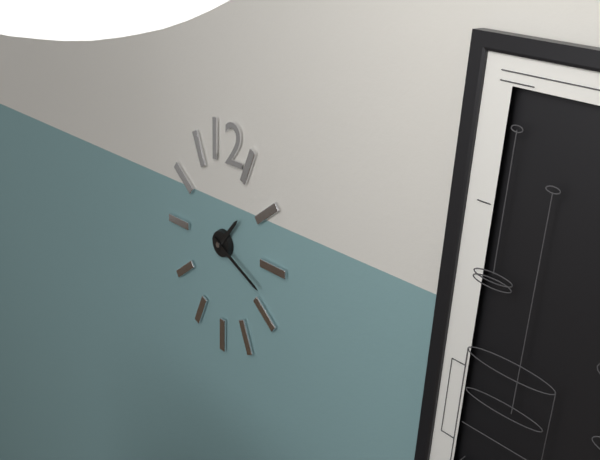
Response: 1:19
